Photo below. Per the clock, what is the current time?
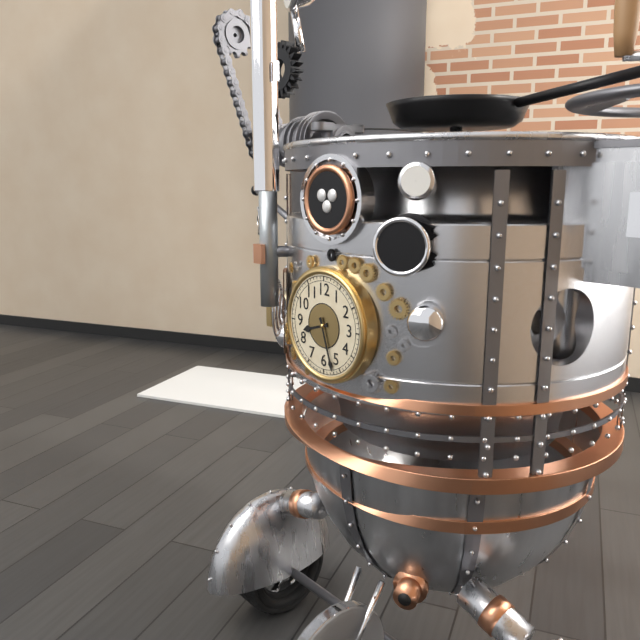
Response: 8:27
